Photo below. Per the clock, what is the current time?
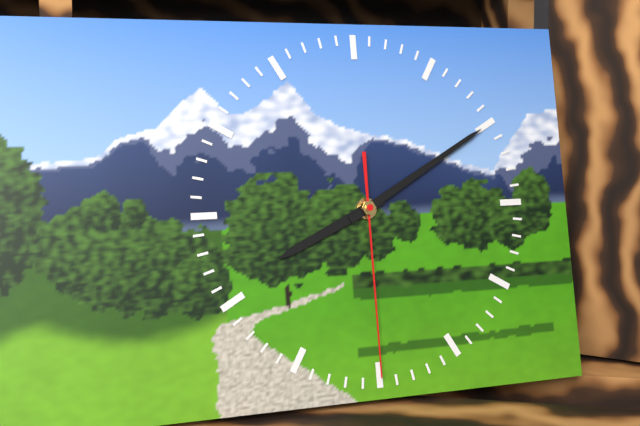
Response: 8:10:30
